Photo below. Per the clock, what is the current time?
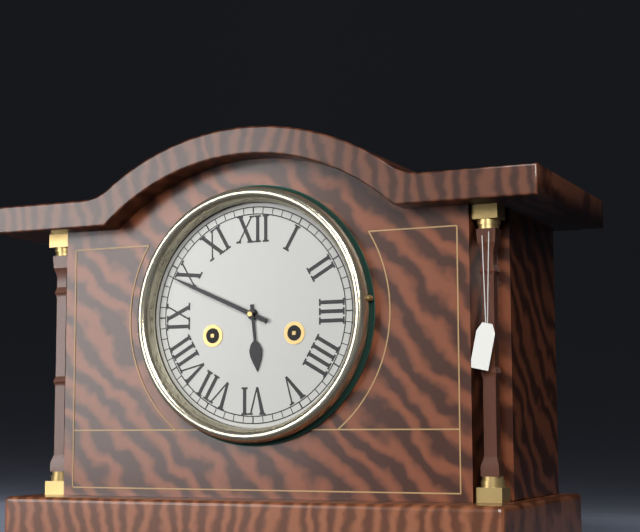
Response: 5:49
